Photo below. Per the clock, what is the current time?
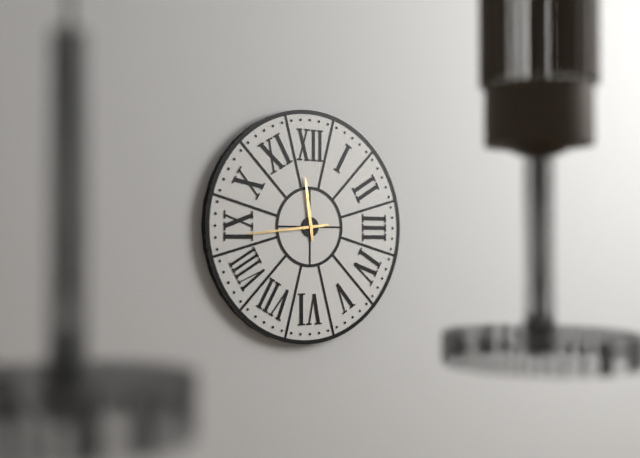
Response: 11:44
